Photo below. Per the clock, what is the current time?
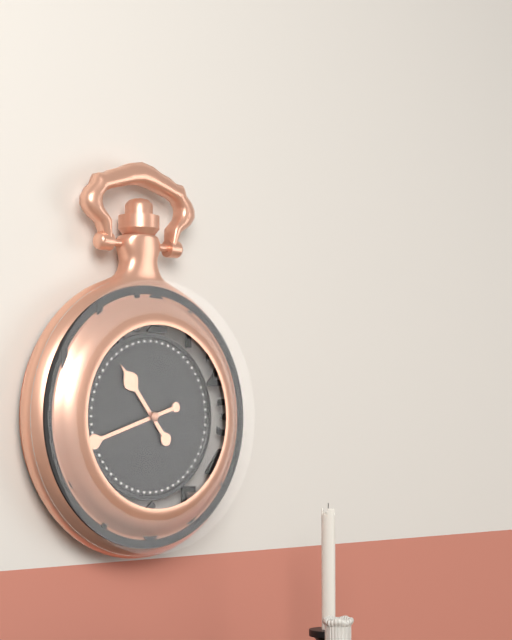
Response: 10:42
